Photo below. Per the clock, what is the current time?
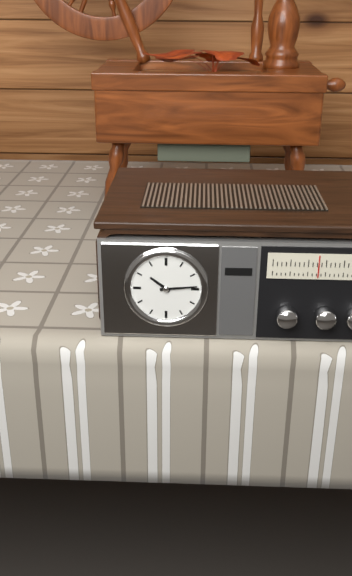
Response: 10:14
